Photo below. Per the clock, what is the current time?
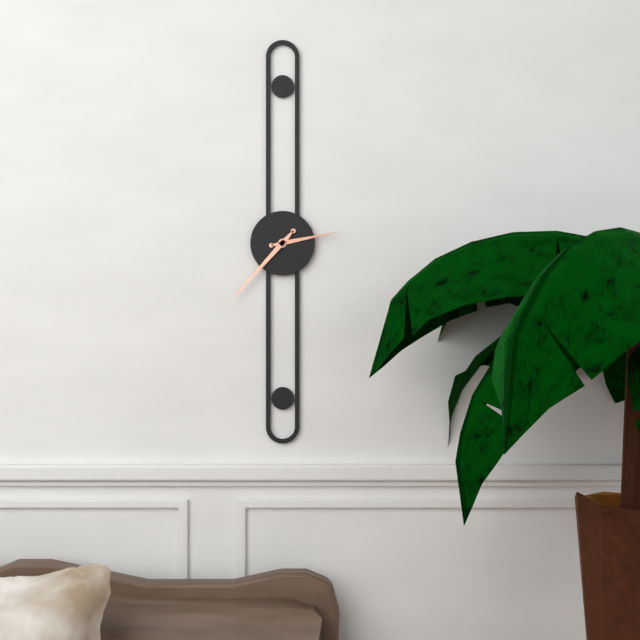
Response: 2:37
